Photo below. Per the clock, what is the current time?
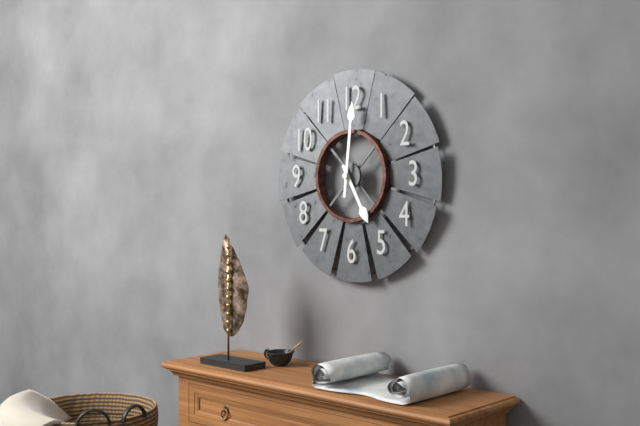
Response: 5:01
